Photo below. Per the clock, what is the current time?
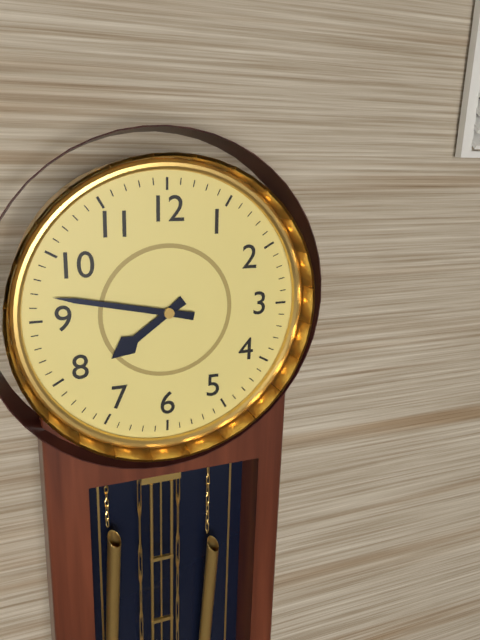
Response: 7:47
